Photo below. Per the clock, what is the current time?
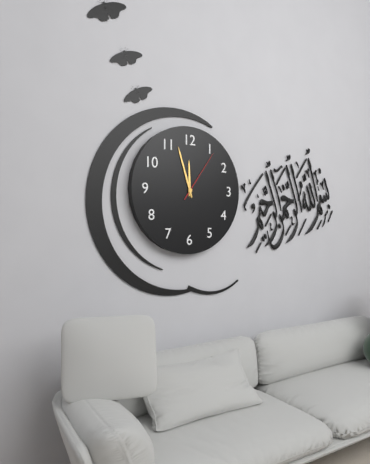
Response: 11:57:06
